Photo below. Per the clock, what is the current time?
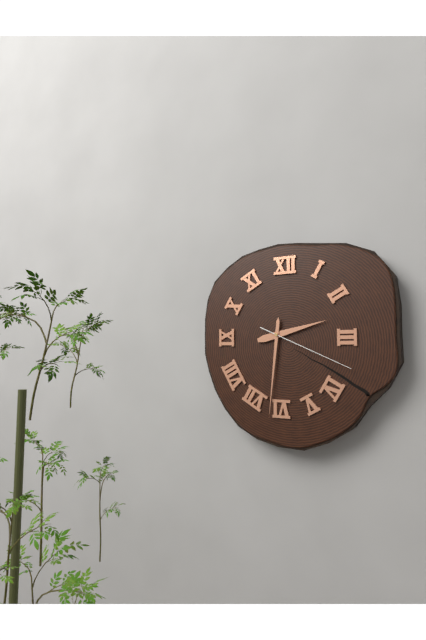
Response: 2:31:19
